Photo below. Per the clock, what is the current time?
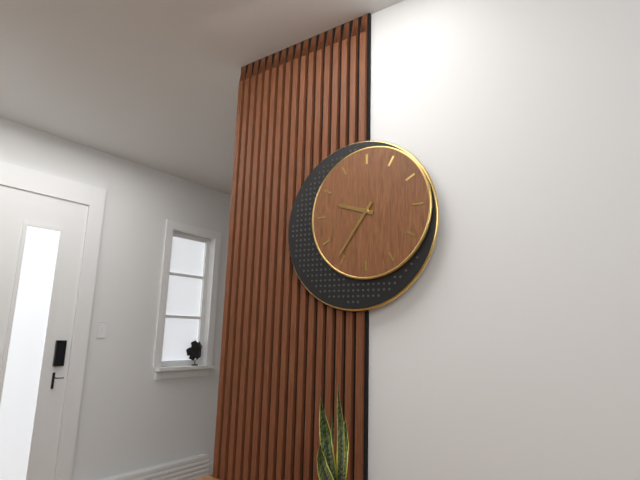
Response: 9:36
